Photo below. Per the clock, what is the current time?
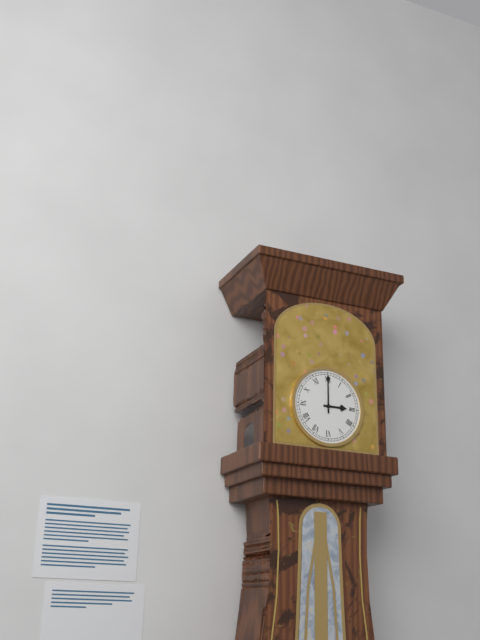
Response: 3:00
